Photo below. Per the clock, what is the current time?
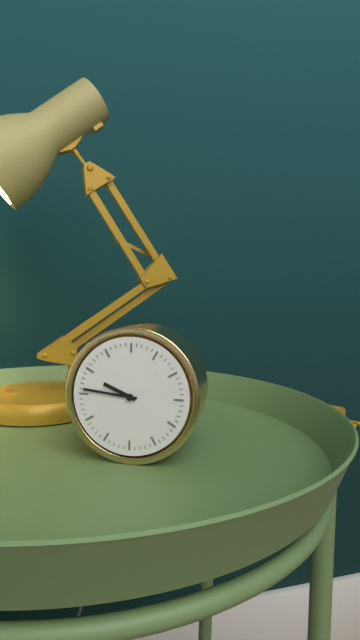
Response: 9:46
